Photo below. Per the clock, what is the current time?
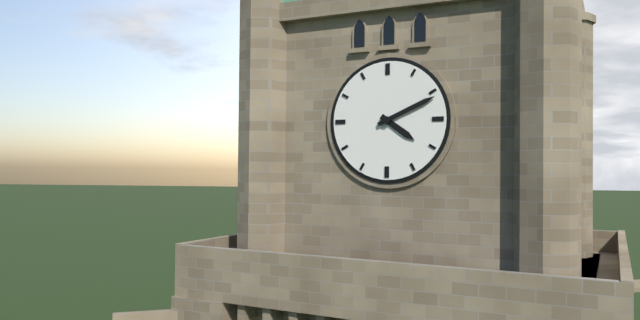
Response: 4:11
